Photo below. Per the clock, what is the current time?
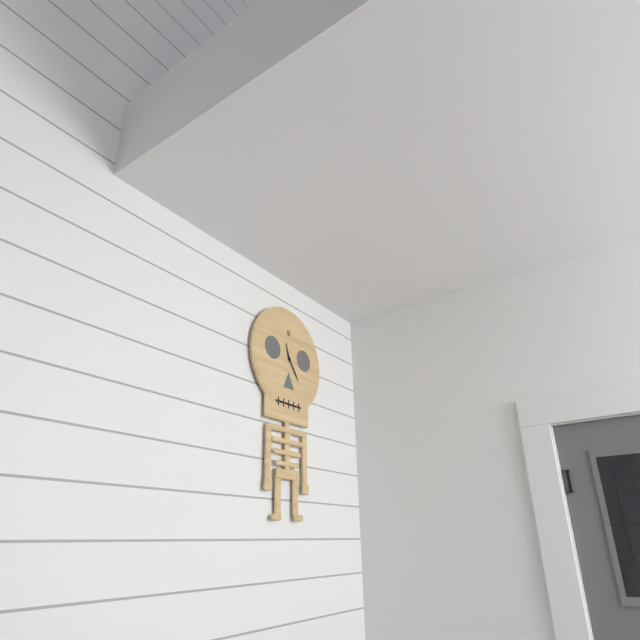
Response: 11:24
